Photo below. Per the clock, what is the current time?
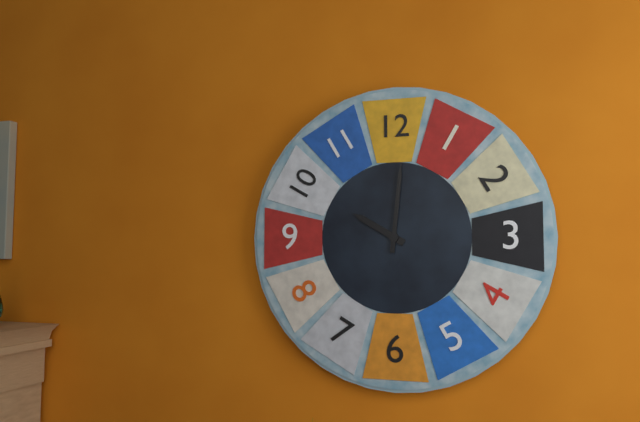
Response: 10:01
